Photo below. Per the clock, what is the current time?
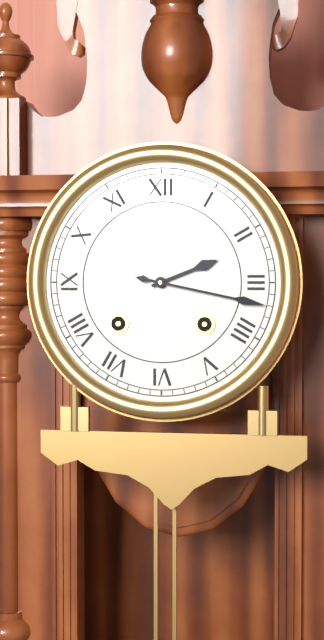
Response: 2:17
